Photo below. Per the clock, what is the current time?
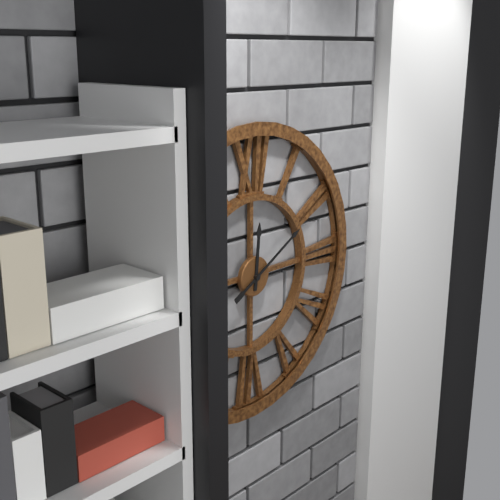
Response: 12:10
